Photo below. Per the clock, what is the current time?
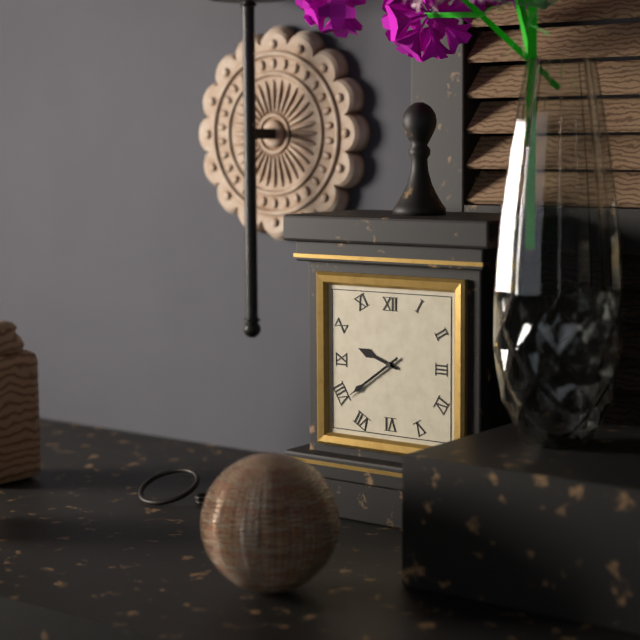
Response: 9:39
